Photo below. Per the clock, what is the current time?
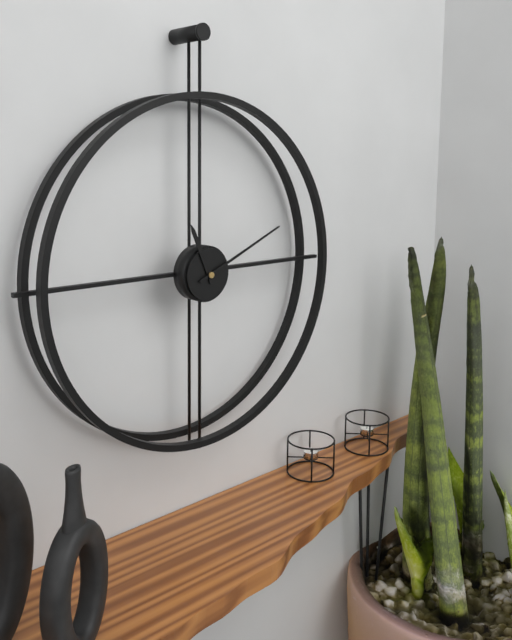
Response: 11:11
